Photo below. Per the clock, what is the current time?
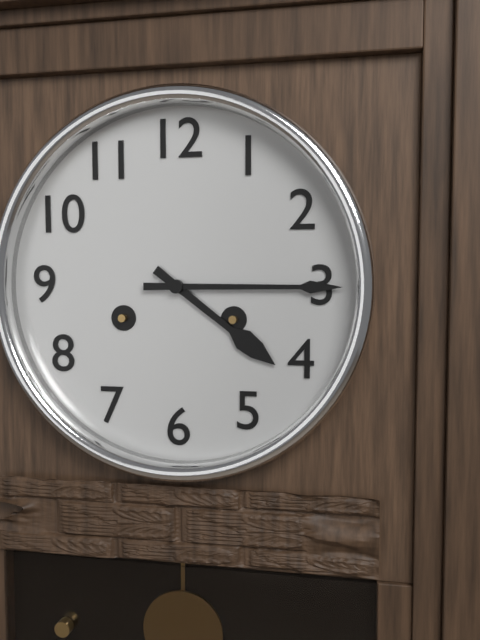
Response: 4:15
